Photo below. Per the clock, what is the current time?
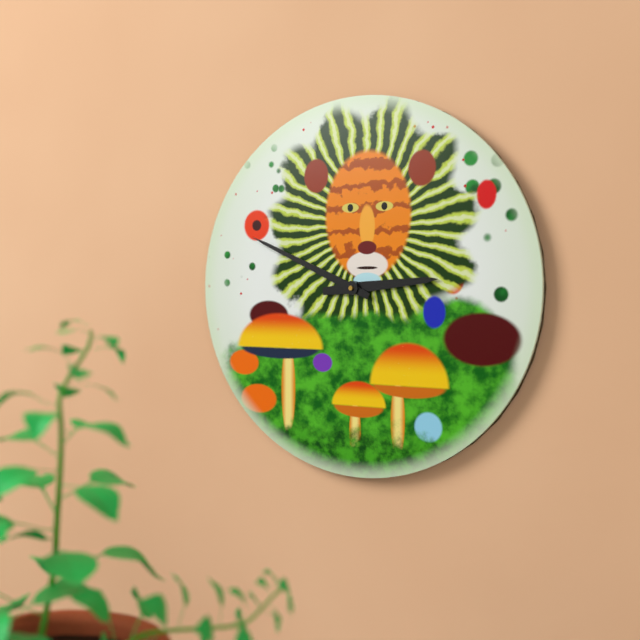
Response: 2:49
